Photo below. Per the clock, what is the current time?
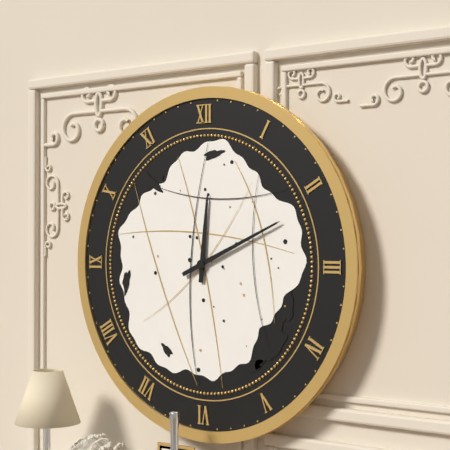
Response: 12:11
